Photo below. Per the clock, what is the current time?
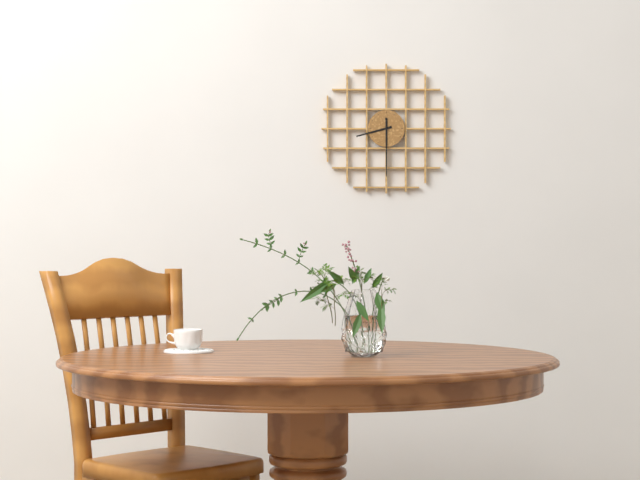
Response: 8:30
